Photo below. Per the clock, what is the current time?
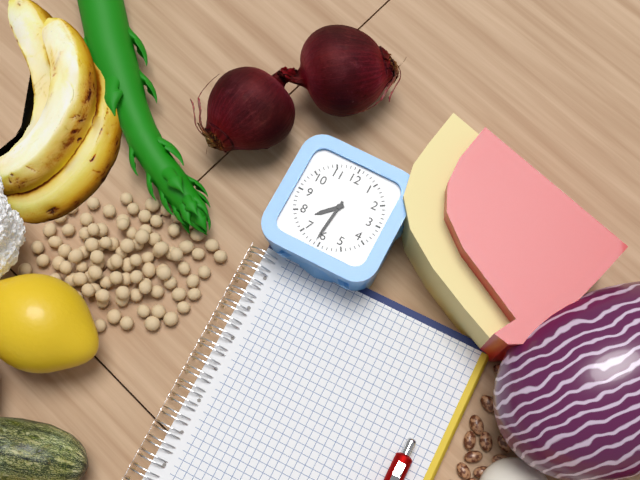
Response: 7:31
